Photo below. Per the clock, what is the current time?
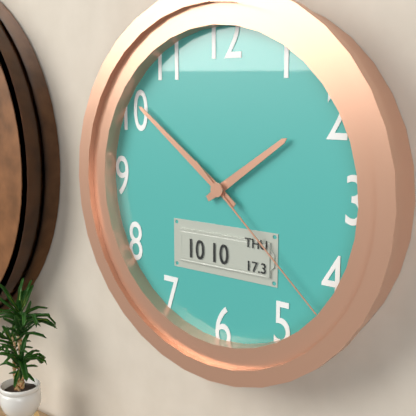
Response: 1:51:22
